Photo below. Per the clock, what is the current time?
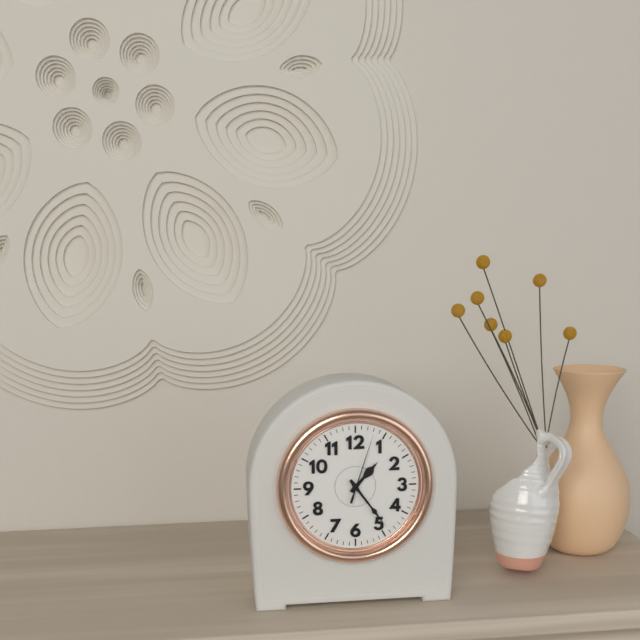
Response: 1:24:03
